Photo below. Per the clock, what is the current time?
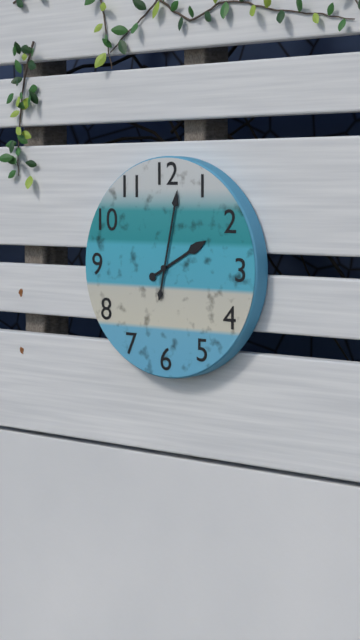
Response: 2:02
